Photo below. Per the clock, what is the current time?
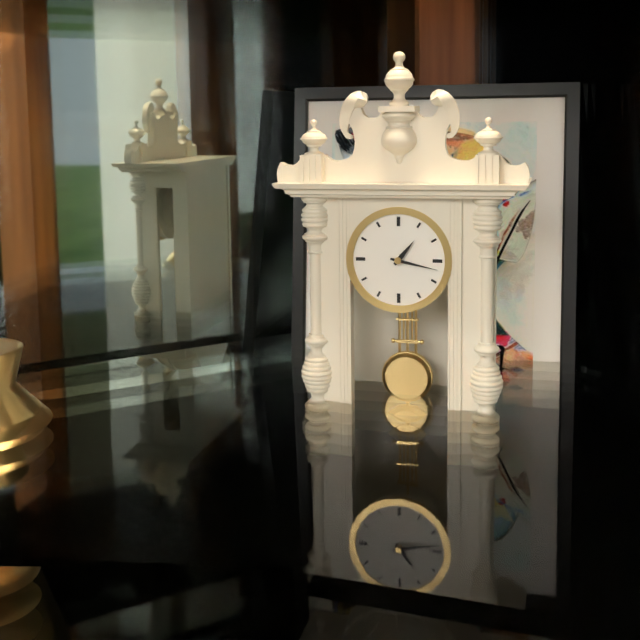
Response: 1:17
